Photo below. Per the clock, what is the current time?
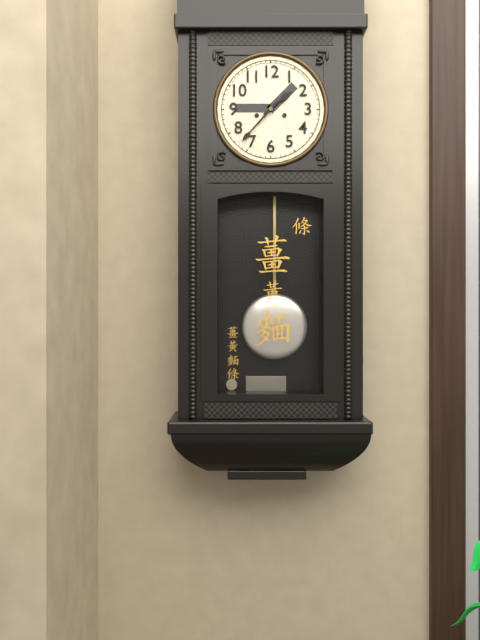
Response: 1:37
